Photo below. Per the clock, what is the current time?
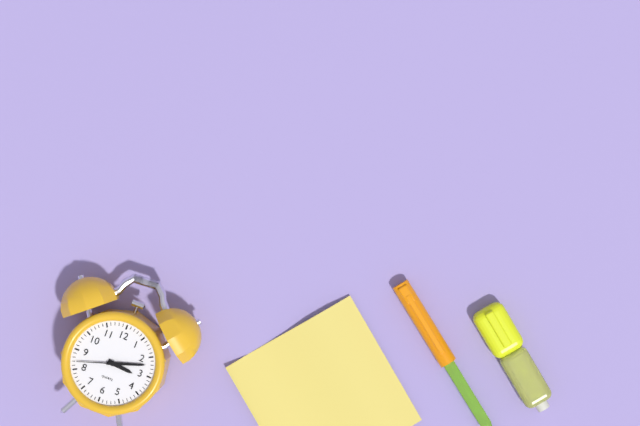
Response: 3:12
